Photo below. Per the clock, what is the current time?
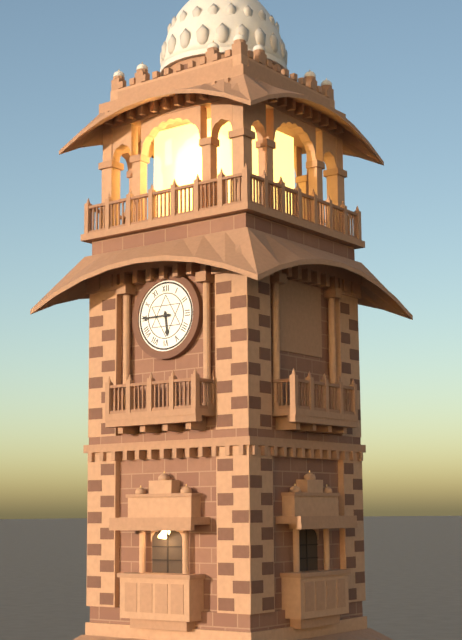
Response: 5:45
